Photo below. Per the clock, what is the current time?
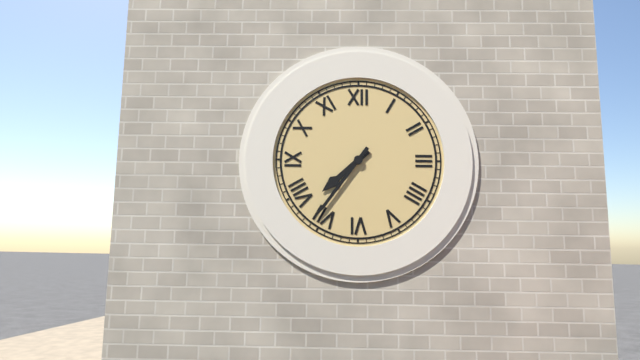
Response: 7:36
